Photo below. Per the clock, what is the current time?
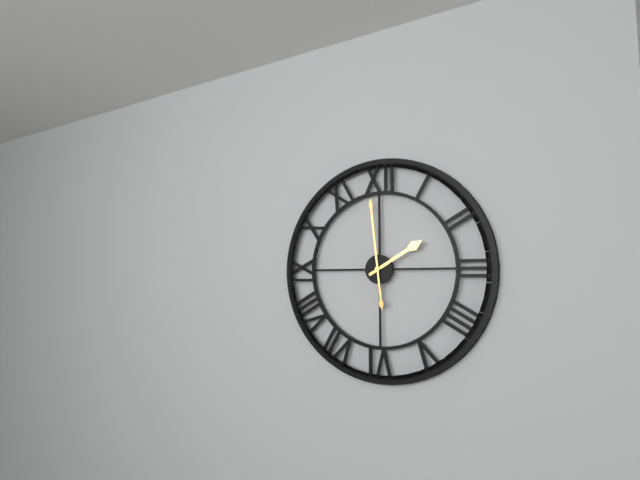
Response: 1:59
